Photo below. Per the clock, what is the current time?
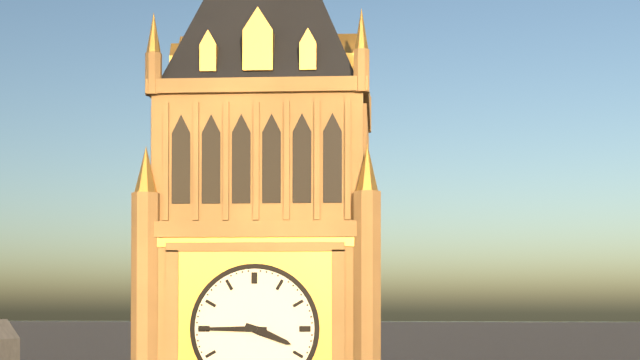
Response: 3:45
